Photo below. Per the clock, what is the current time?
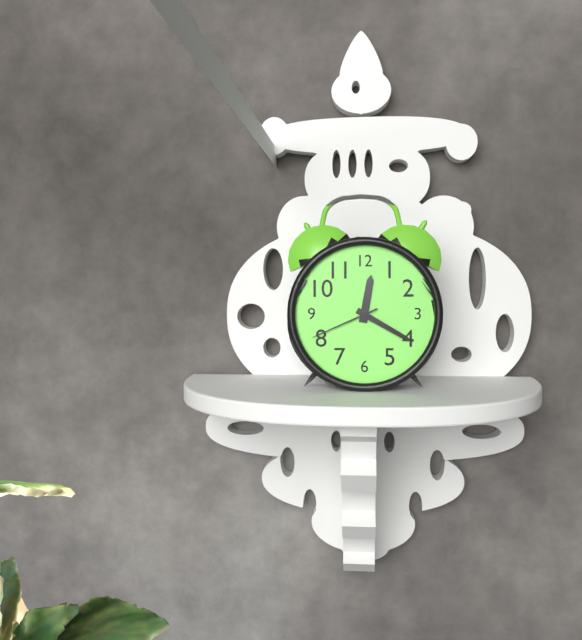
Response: 12:20:41
